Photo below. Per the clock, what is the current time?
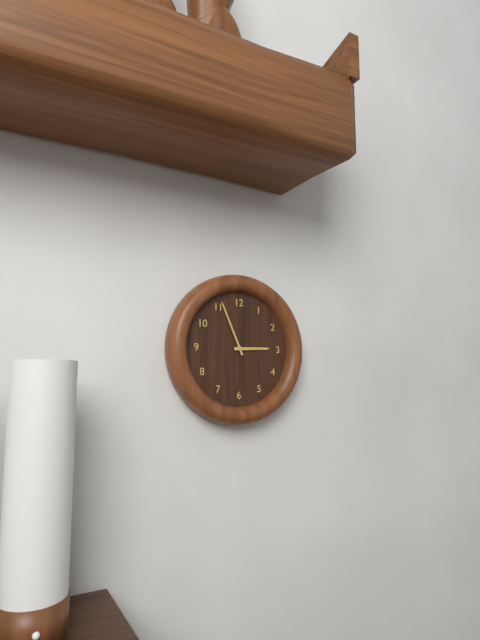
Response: 2:56
